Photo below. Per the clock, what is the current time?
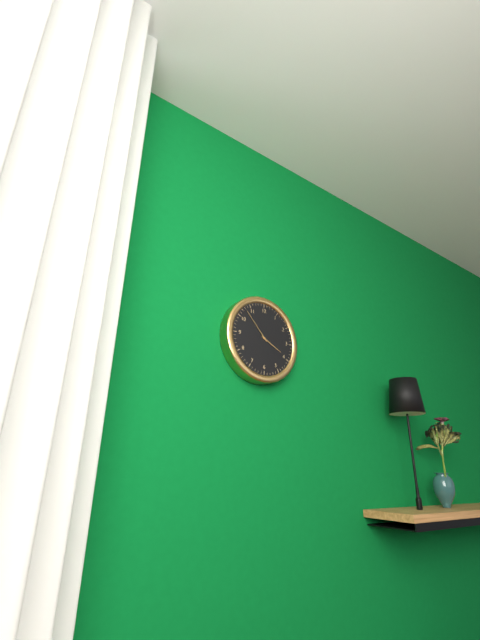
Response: 3:53
